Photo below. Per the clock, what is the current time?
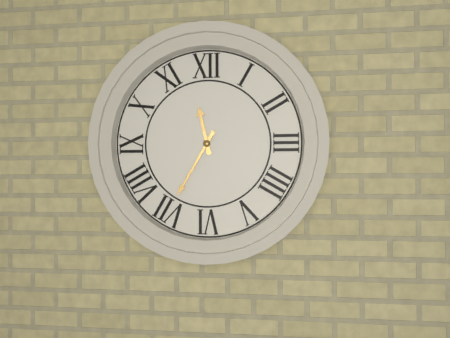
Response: 11:35
